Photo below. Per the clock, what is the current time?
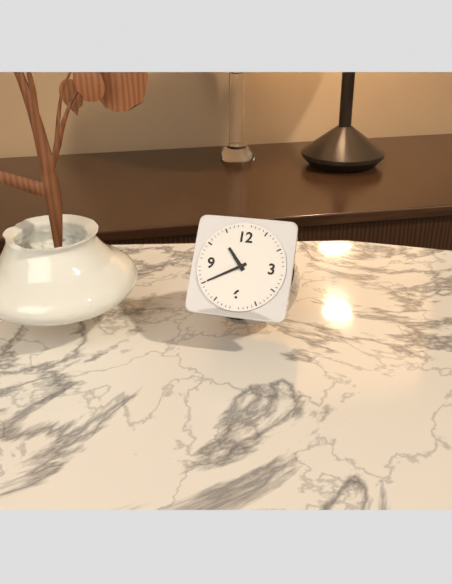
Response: 10:40
